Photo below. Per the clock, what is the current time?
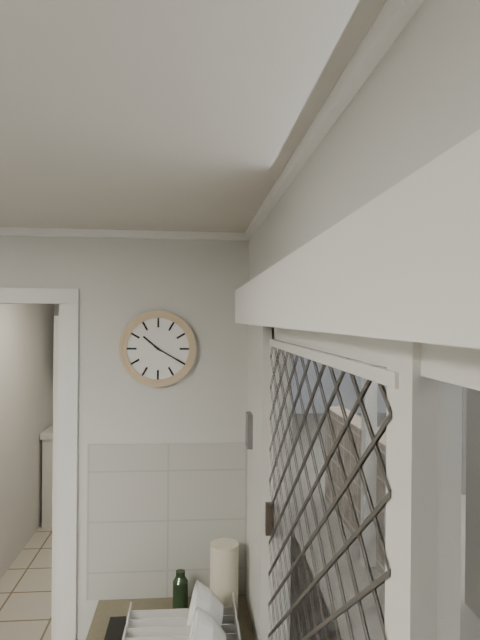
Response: 10:20
